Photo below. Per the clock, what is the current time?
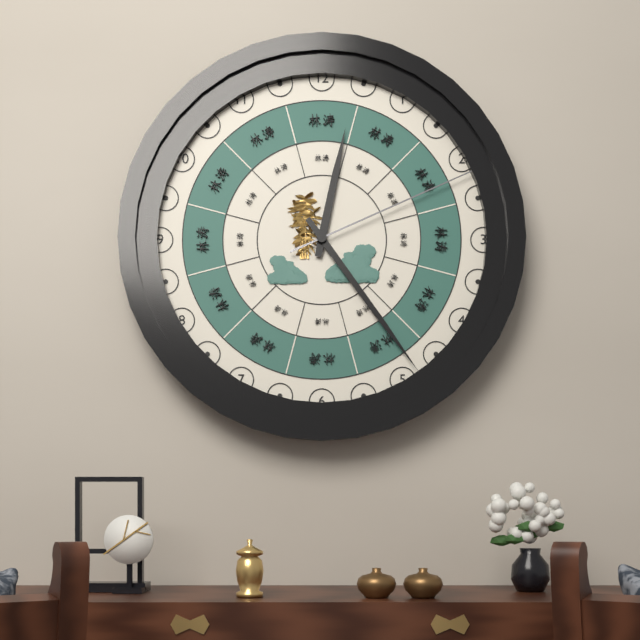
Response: 12:24:11
